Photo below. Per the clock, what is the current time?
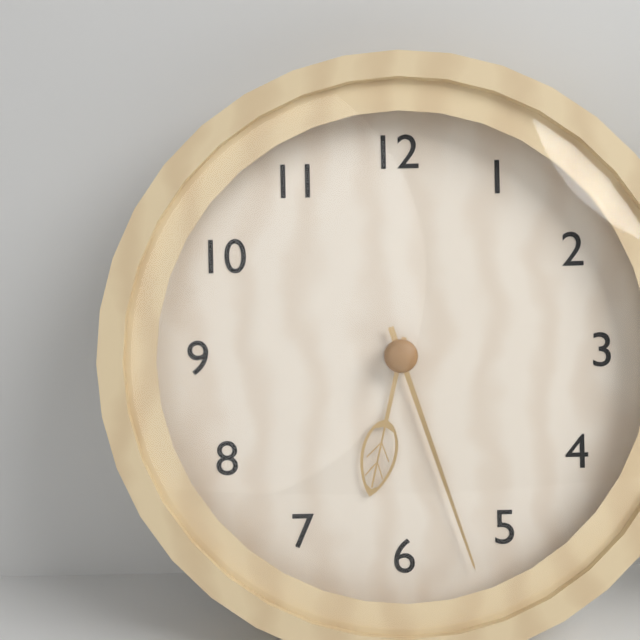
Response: 6:27
